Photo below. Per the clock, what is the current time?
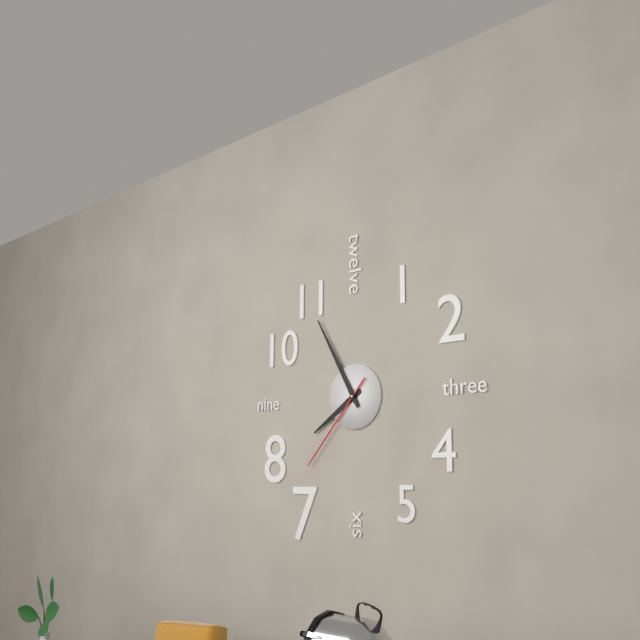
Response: 7:55:37
